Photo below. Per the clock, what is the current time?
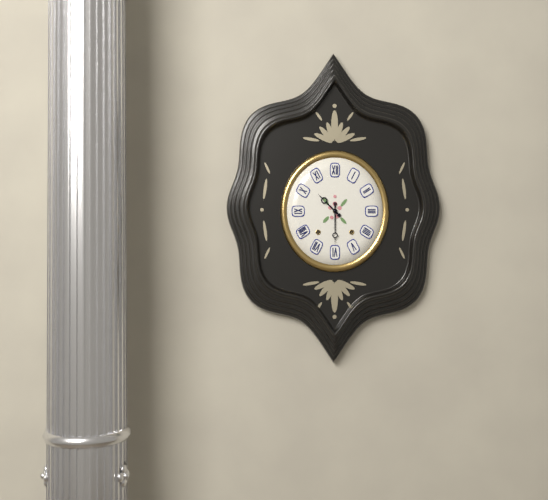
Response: 10:30
